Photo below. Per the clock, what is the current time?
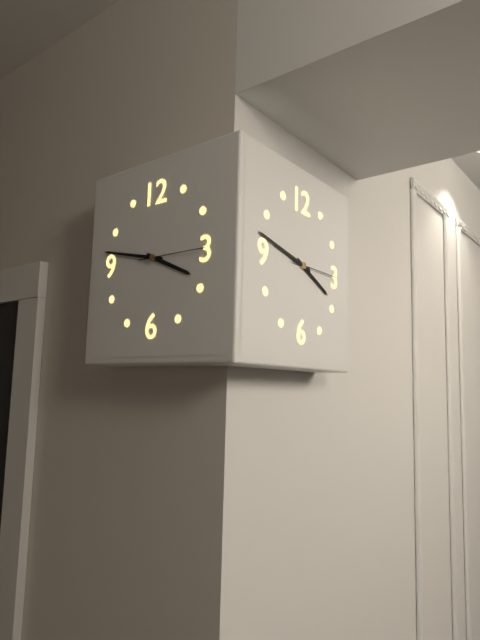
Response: 3:47
